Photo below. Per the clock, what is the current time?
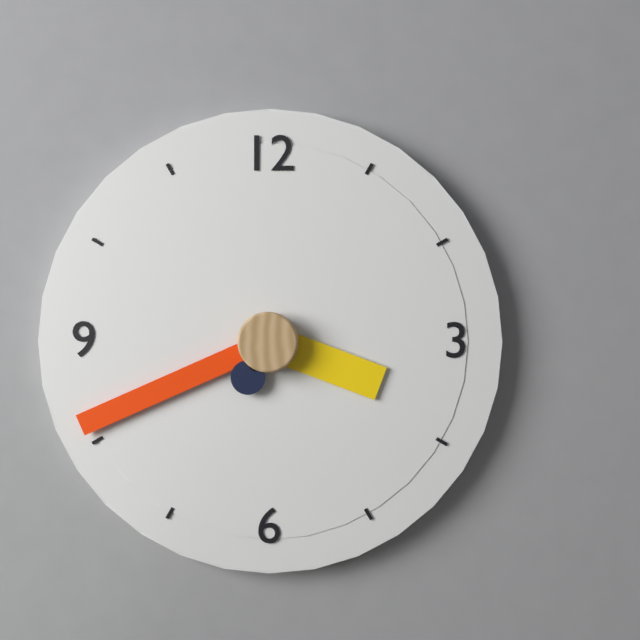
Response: 3:41:35
